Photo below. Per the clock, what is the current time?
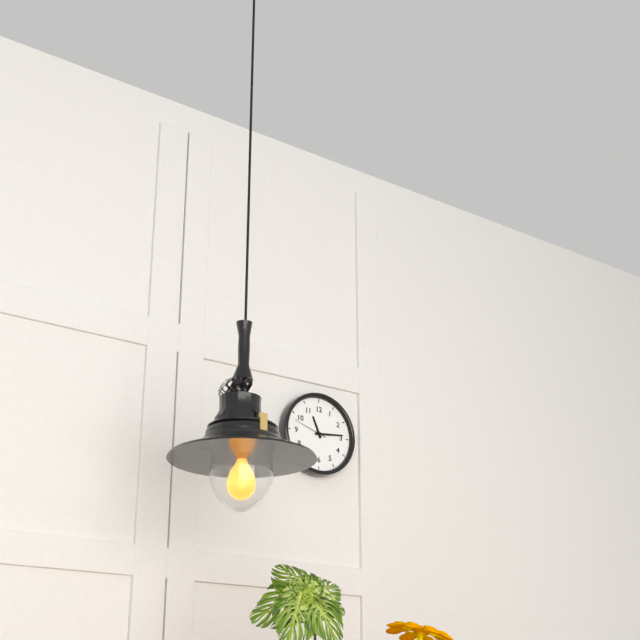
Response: 11:14
